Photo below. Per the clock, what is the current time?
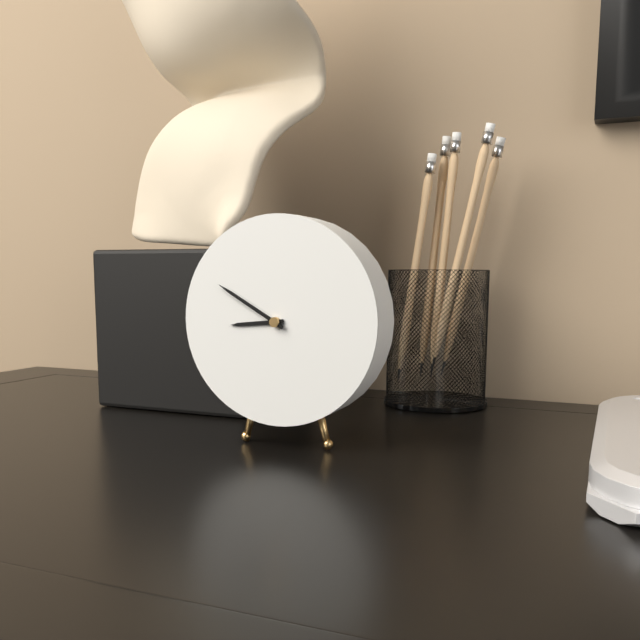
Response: 8:50
